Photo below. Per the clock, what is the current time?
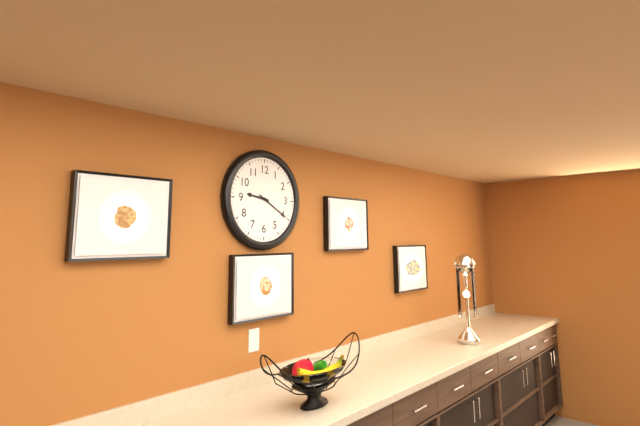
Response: 9:20
